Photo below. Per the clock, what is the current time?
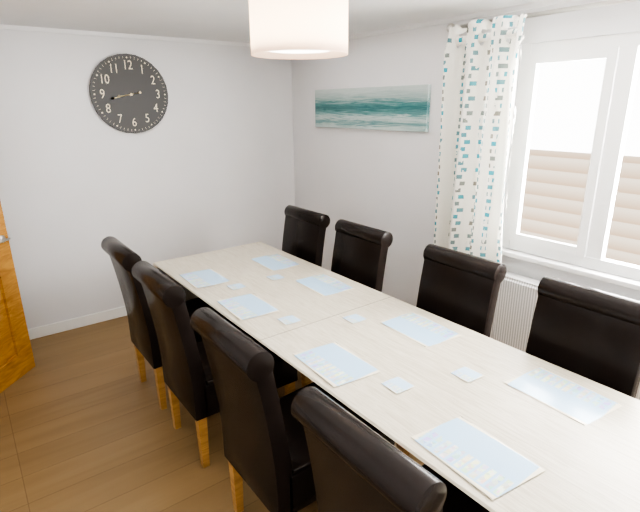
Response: 8:43
